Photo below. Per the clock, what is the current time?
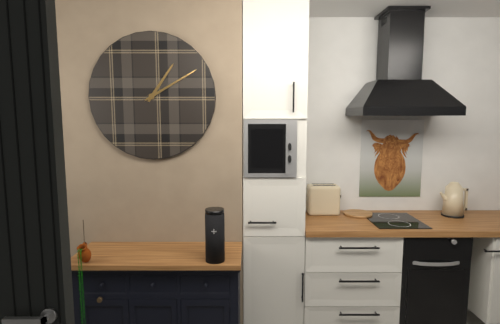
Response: 1:10
